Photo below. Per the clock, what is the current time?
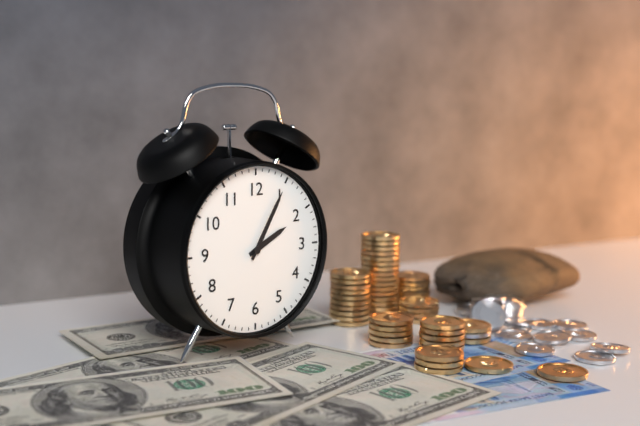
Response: 2:05
